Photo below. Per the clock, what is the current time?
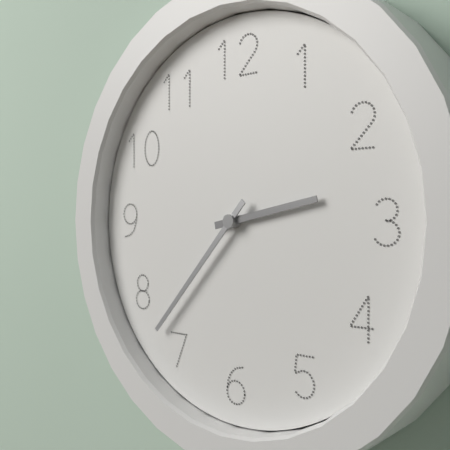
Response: 2:37
